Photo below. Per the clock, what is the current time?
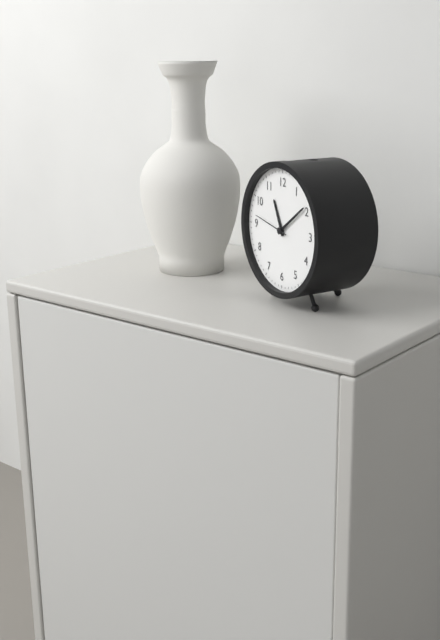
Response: 11:09
